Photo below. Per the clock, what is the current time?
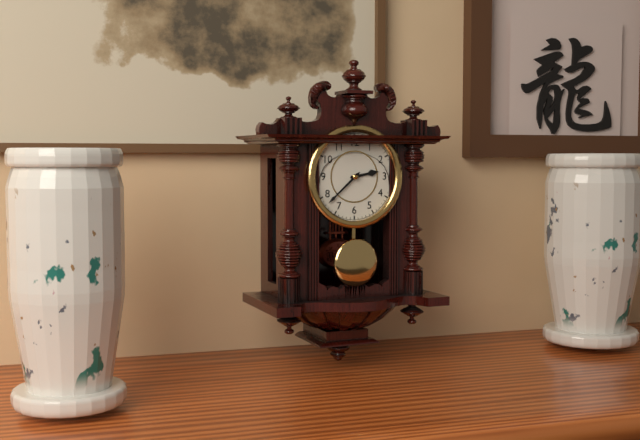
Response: 2:38
